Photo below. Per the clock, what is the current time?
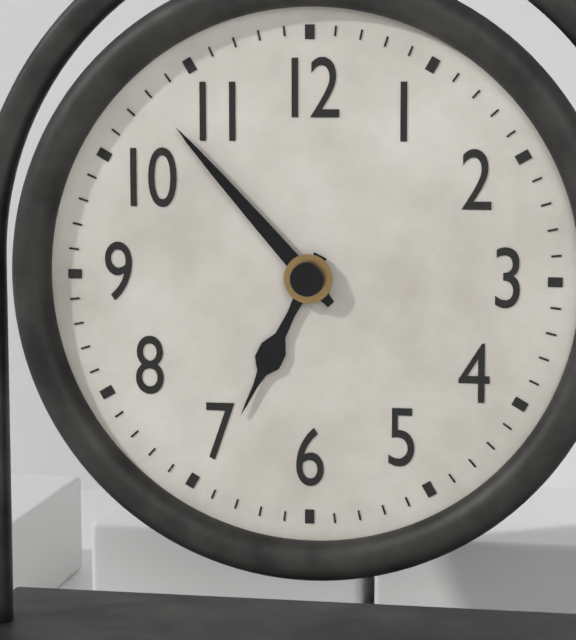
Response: 6:53
